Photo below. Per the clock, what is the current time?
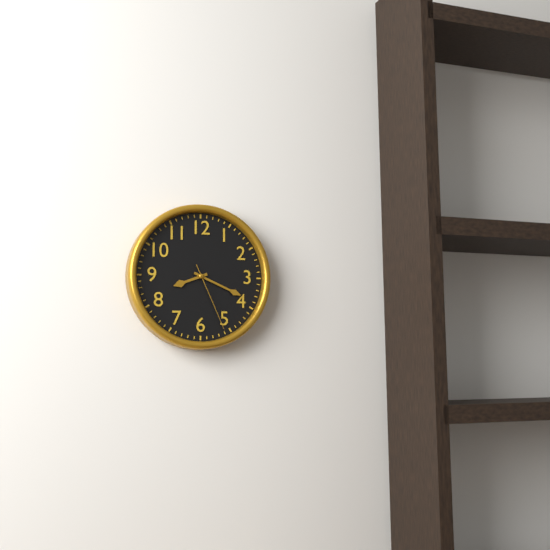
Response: 8:19:26
